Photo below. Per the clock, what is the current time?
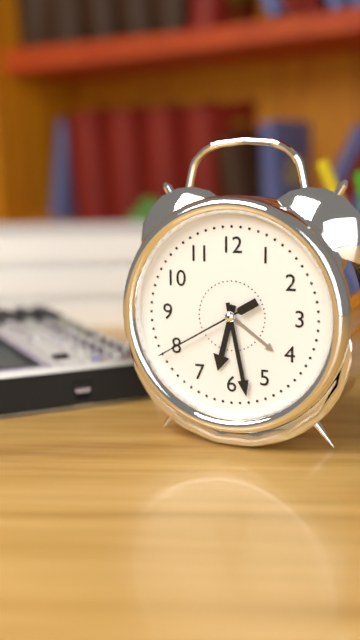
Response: 6:28:40
